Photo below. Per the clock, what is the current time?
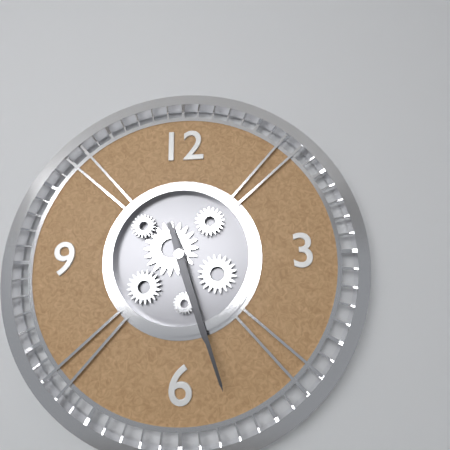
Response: 5:27
